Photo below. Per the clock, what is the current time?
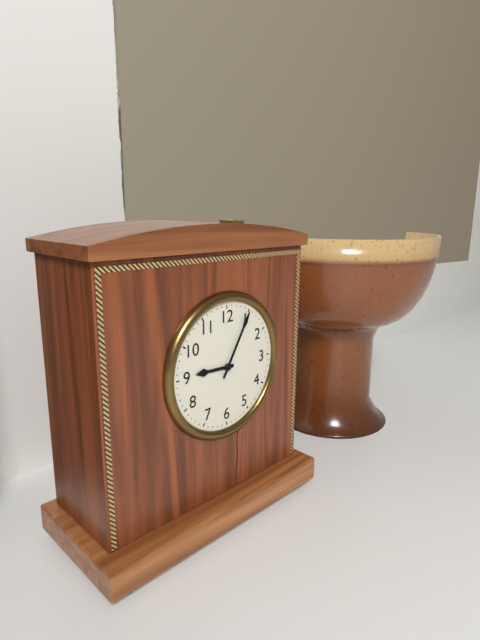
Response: 9:05
